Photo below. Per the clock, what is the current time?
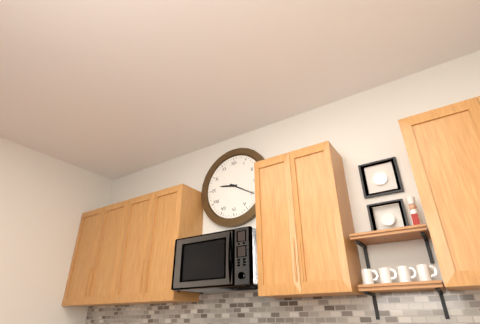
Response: 9:20
